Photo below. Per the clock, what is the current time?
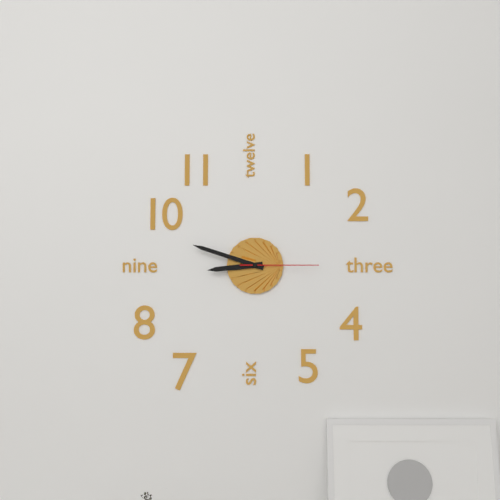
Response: 8:48:15
